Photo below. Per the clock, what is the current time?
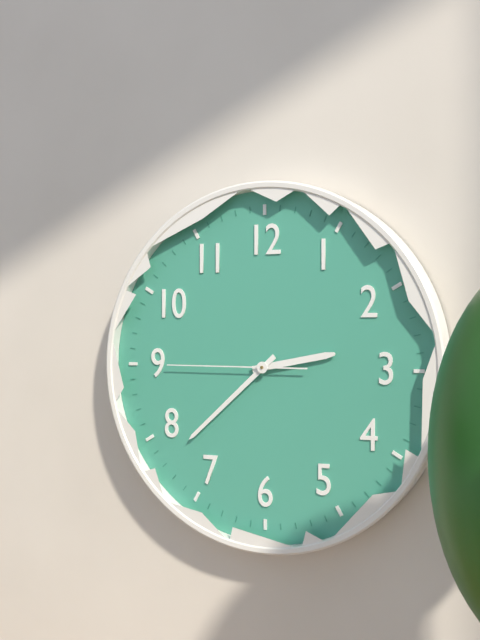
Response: 2:38:45
